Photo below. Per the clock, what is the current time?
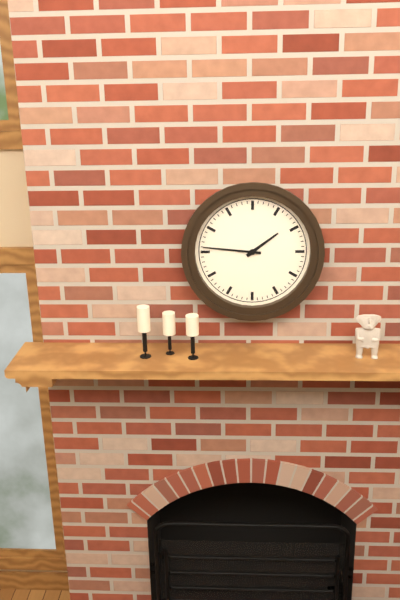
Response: 1:46
